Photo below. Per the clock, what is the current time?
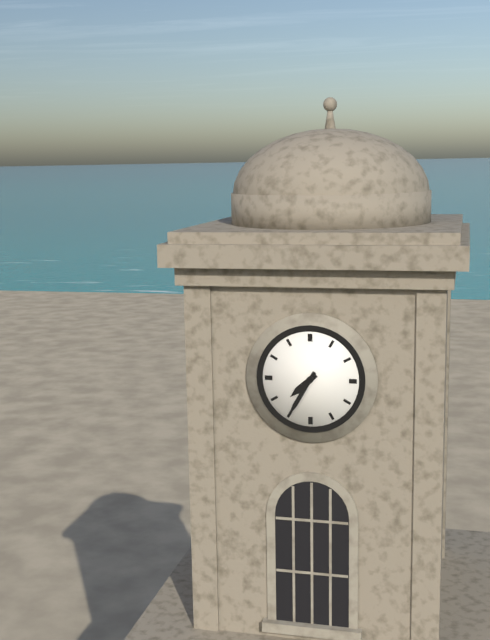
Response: 7:35
